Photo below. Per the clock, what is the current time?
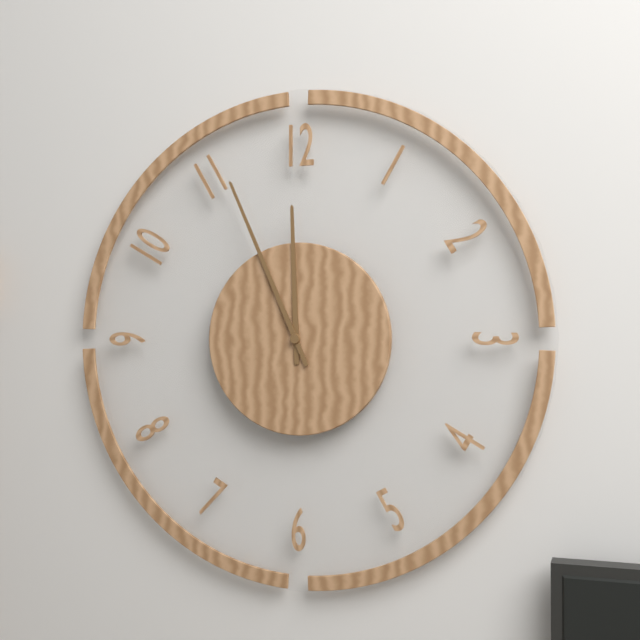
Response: 11:56
